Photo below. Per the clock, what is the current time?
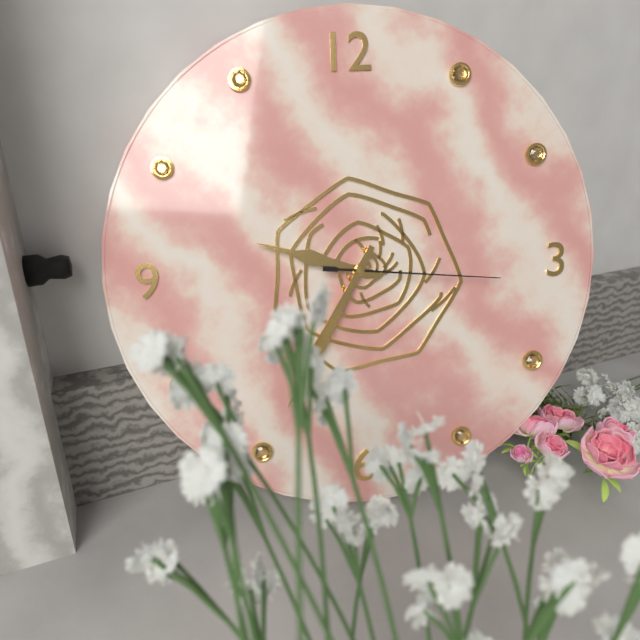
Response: 9:35:16
